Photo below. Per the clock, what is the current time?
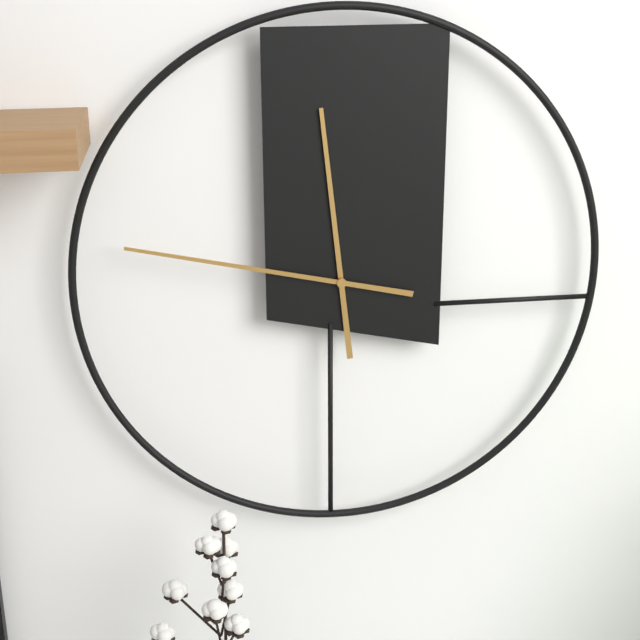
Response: 11:47
